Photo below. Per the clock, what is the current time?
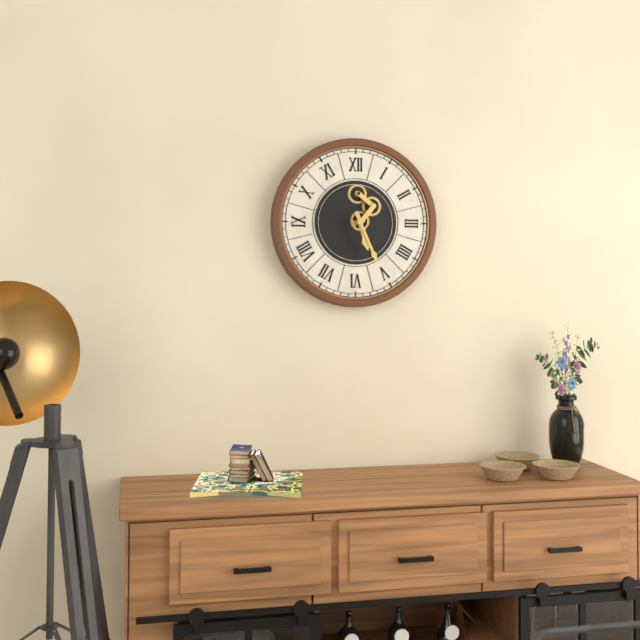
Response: 5:26
